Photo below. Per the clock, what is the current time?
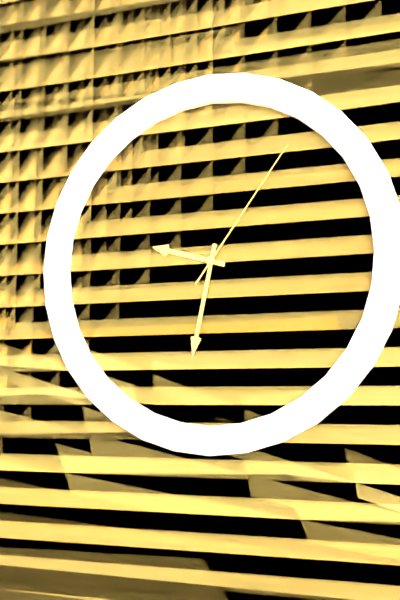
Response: 9:32:06
